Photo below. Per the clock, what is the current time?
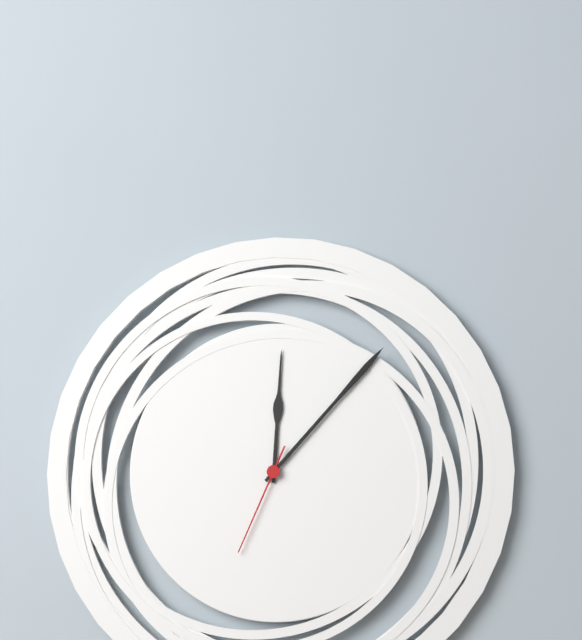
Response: 12:07:34
